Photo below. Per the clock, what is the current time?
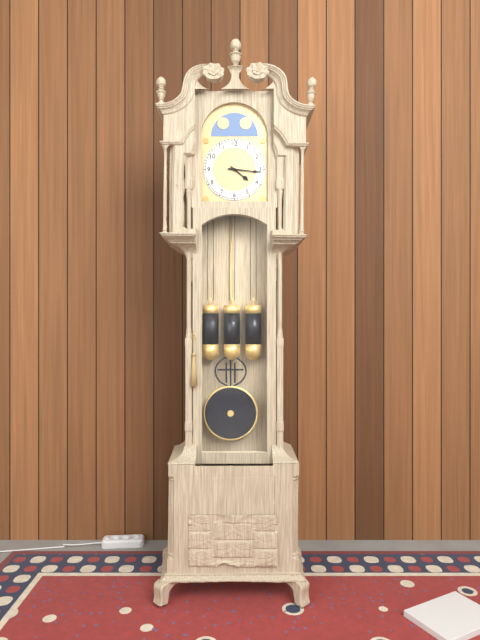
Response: 4:16
